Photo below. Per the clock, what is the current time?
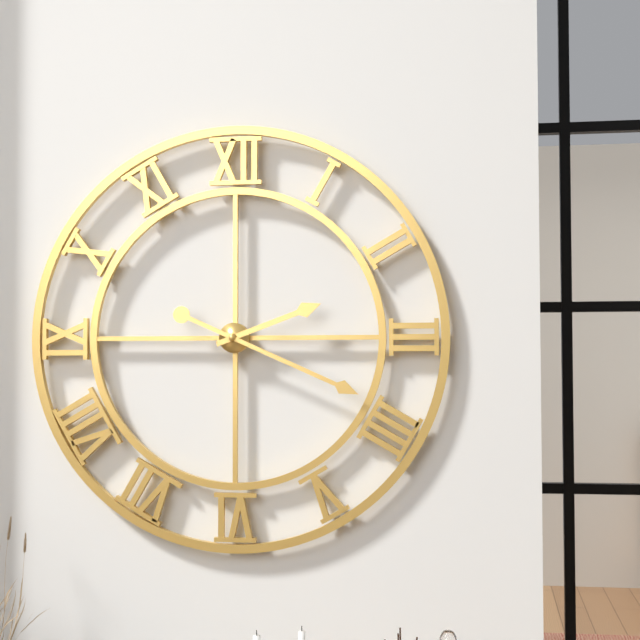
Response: 2:19
